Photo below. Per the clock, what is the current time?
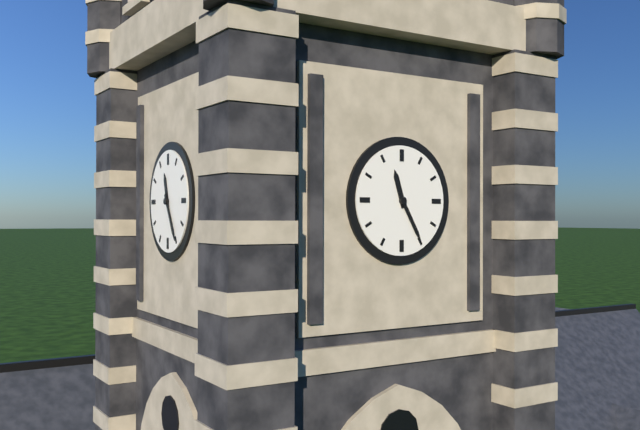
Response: 11:25
